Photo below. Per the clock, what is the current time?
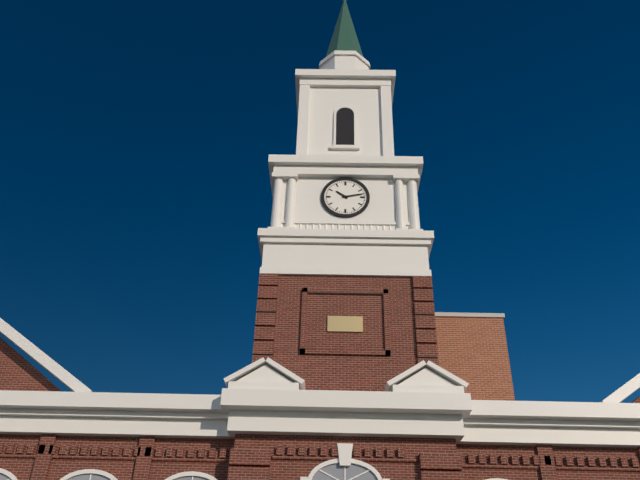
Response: 10:13
